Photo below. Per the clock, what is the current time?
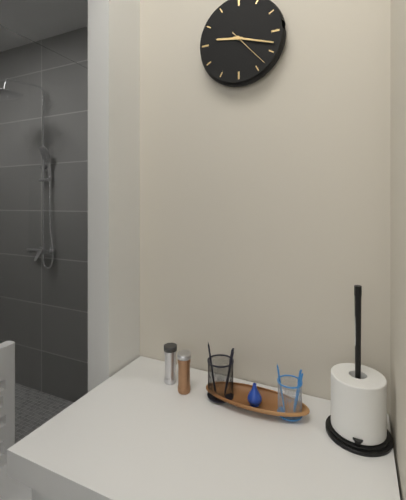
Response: 9:18
